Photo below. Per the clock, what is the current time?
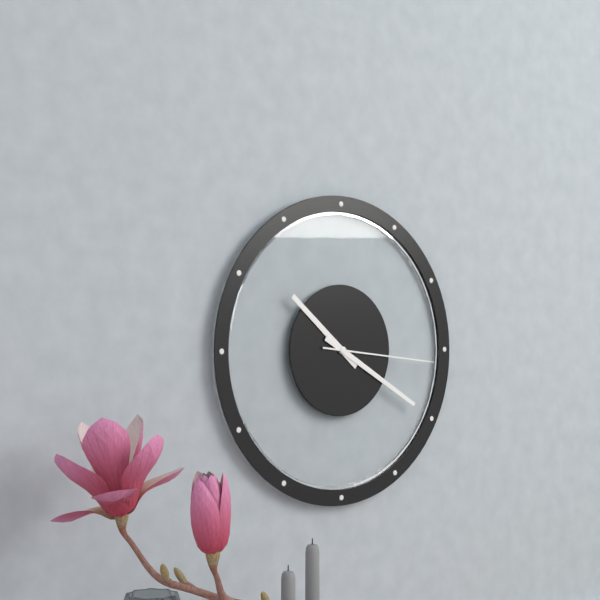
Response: 10:20:16
